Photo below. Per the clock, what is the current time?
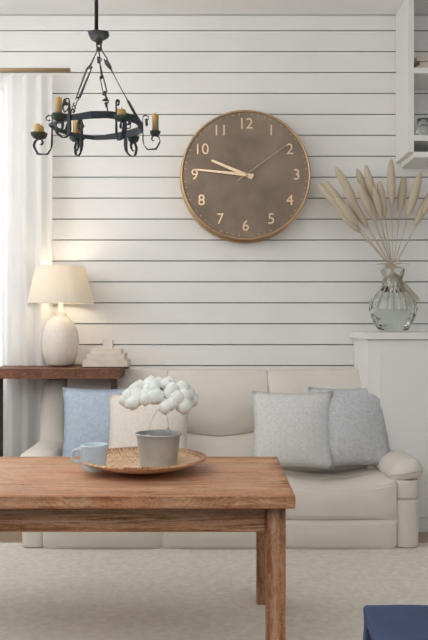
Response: 9:46:09
